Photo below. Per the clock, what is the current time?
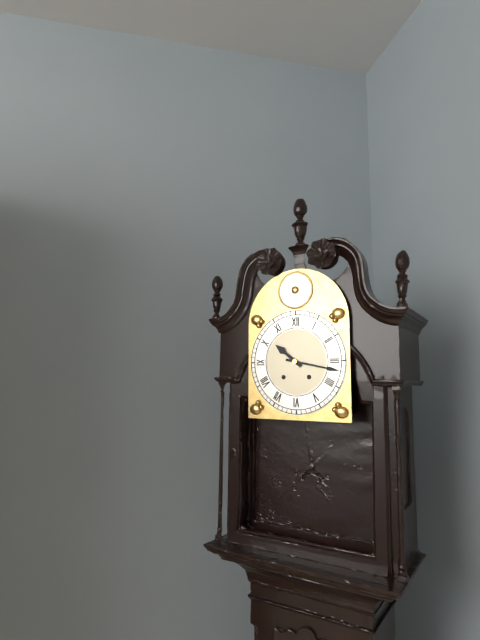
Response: 10:17
